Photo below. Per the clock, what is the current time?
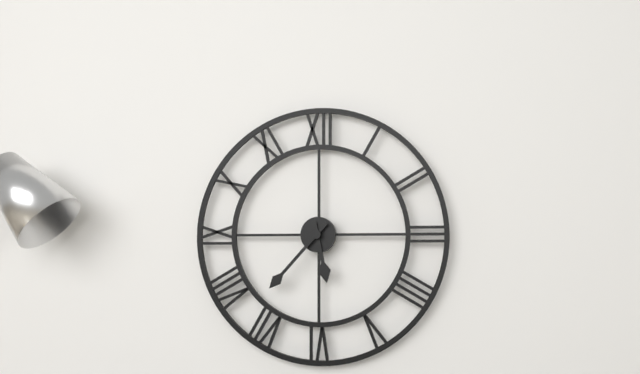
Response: 5:37
